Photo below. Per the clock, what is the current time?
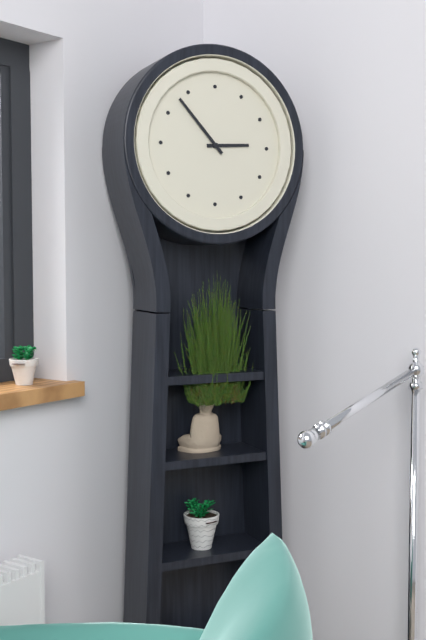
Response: 2:53
